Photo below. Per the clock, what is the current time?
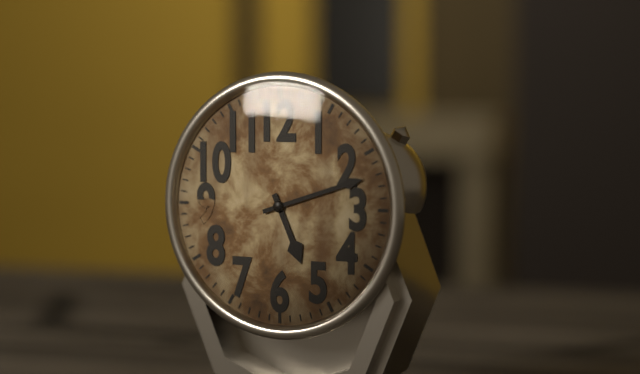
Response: 5:12
